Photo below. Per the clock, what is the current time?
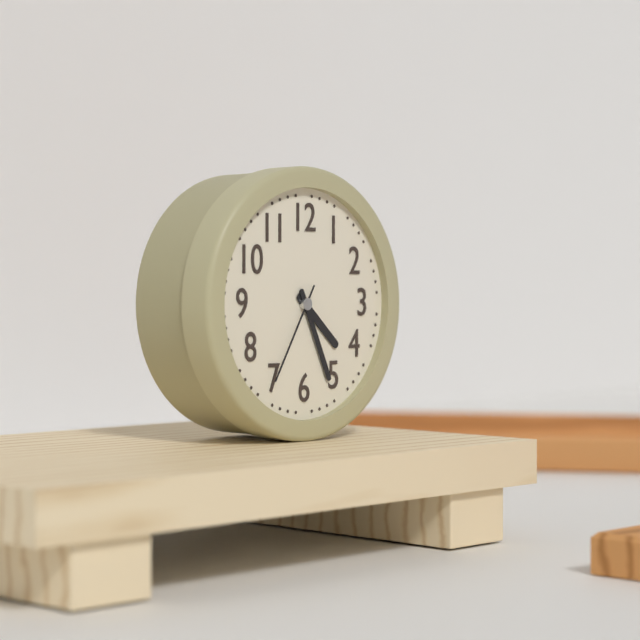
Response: 4:26:35
